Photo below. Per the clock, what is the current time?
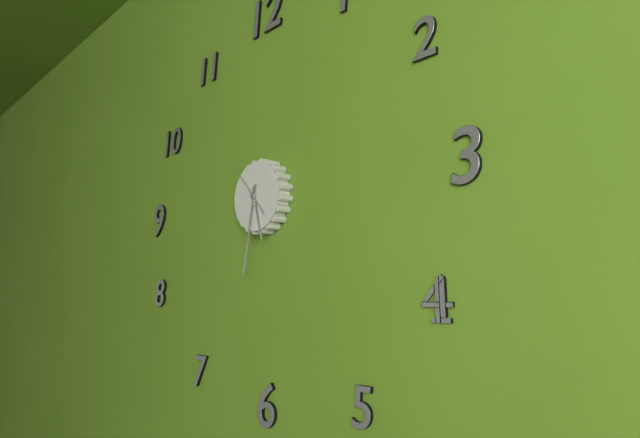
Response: 5:32:53
